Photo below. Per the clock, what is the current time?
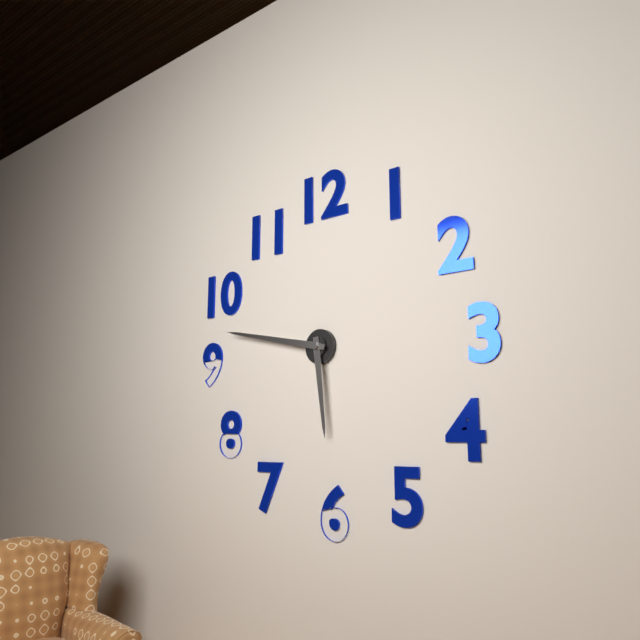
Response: 5:47
